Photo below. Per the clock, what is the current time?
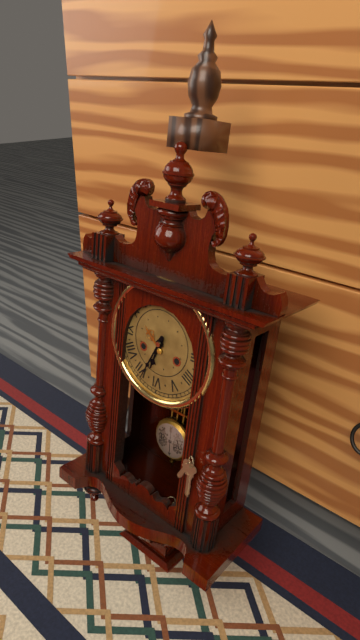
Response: 6:34
